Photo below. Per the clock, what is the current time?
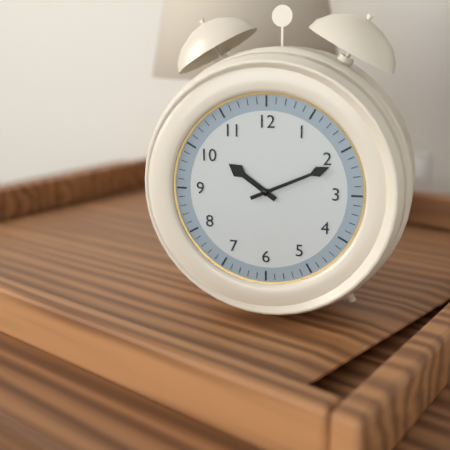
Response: 10:11
